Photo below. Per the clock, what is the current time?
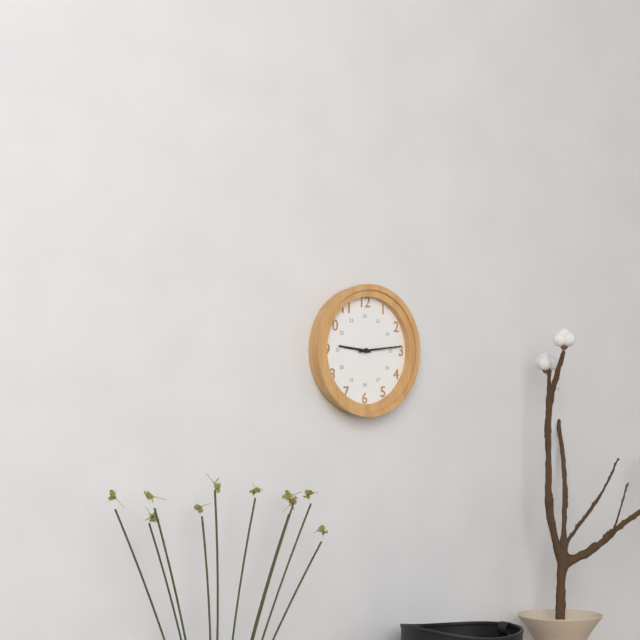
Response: 9:14
